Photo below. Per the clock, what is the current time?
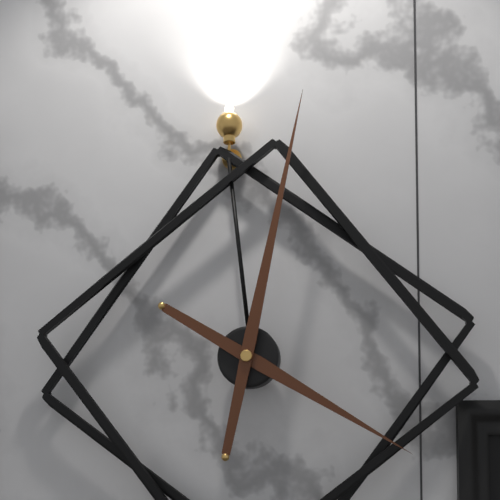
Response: 4:02
